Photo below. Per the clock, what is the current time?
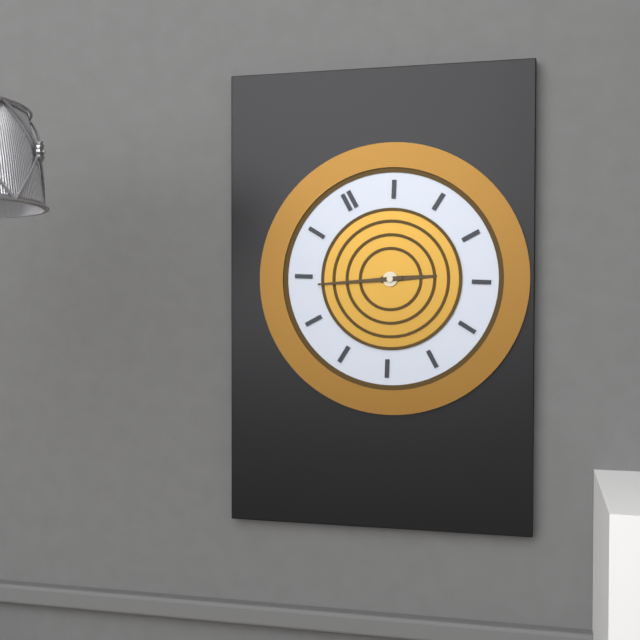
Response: 3:49
